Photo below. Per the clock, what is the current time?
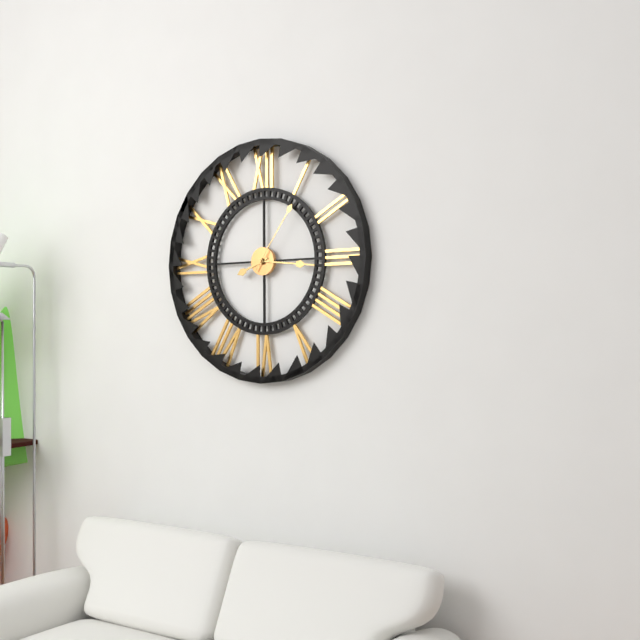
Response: 8:16:06
